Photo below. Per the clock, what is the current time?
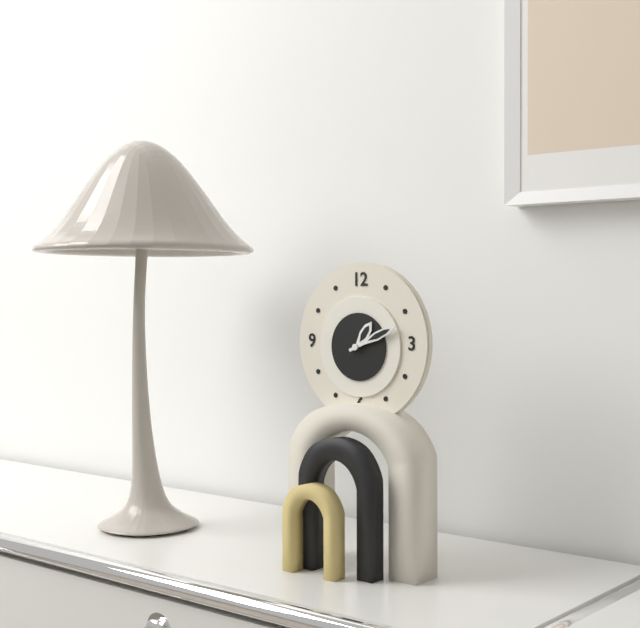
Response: 1:11
